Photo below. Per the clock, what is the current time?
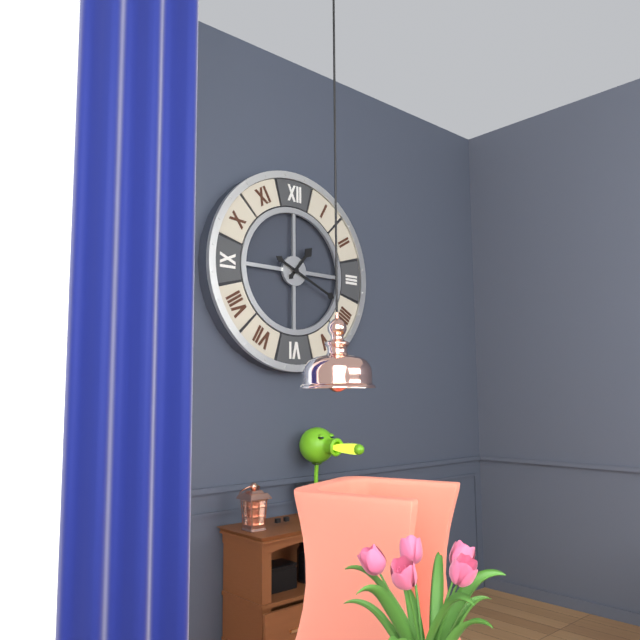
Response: 1:19
